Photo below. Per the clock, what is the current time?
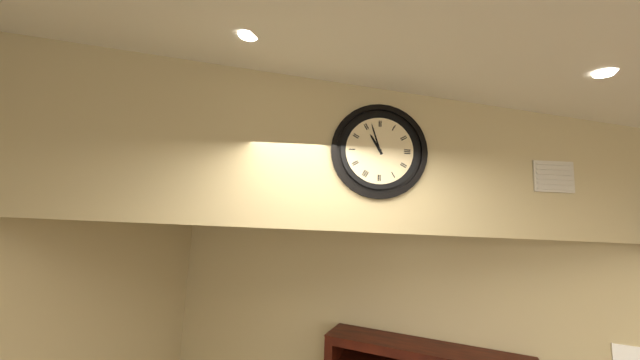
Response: 10:57
